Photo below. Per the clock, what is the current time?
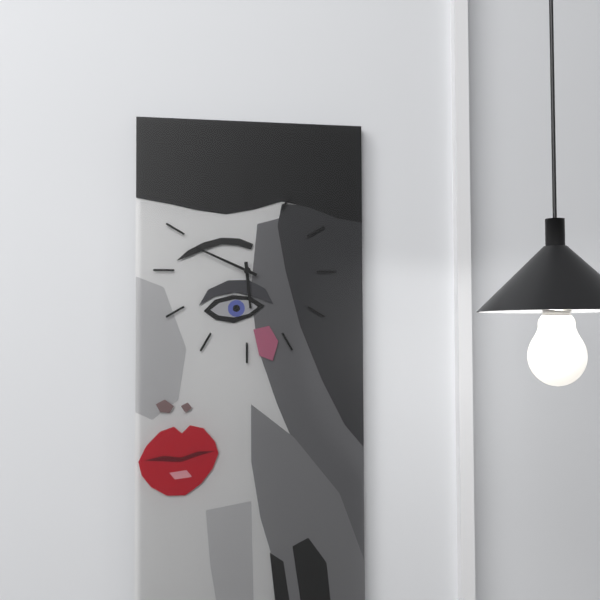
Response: 5:49
